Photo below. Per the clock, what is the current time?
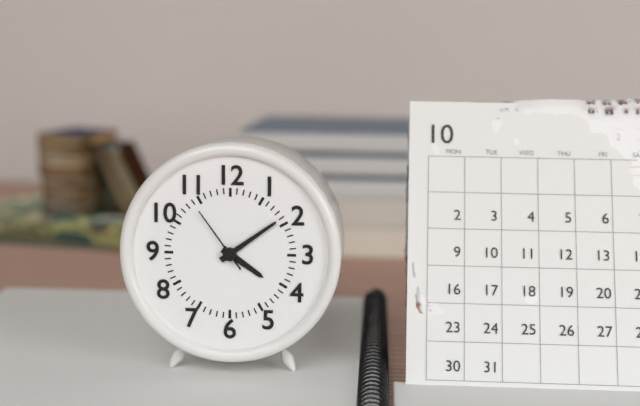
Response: 4:09:54
